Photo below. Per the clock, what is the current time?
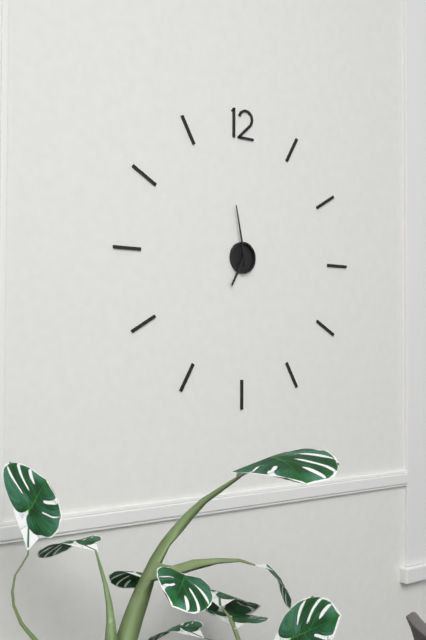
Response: 6:58
